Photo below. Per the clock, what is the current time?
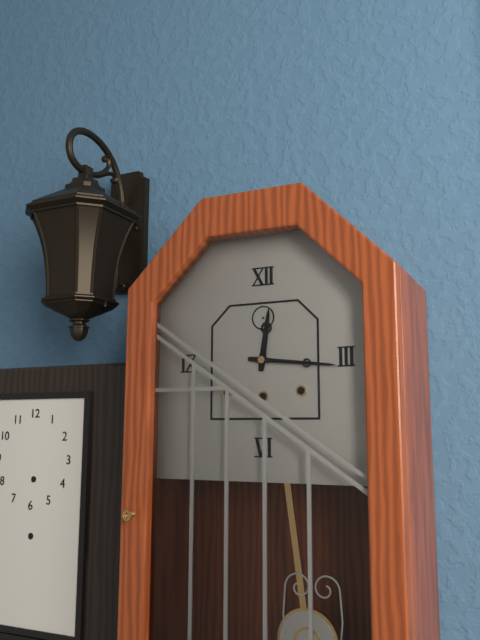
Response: 12:16
